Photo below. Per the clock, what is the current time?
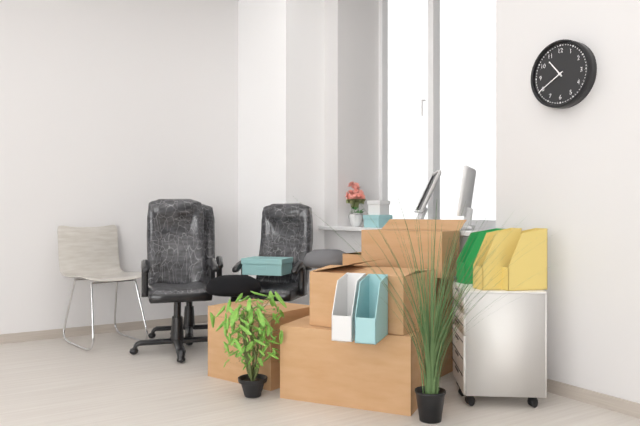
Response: 10:40
